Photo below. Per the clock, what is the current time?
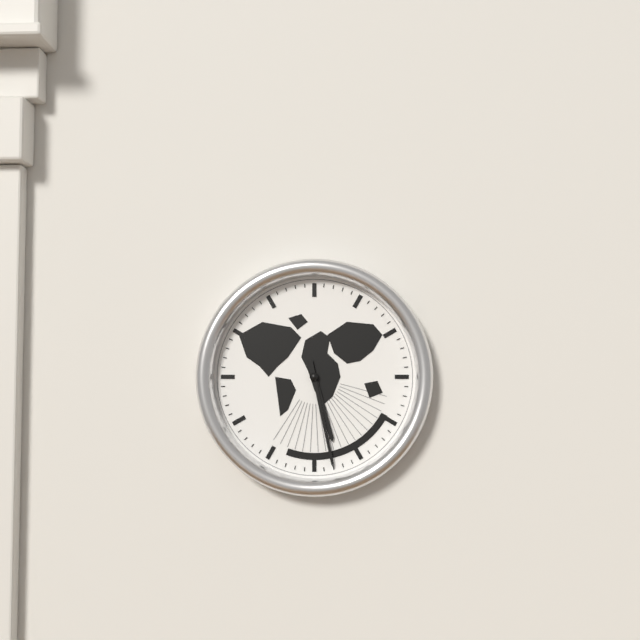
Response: 5:28
